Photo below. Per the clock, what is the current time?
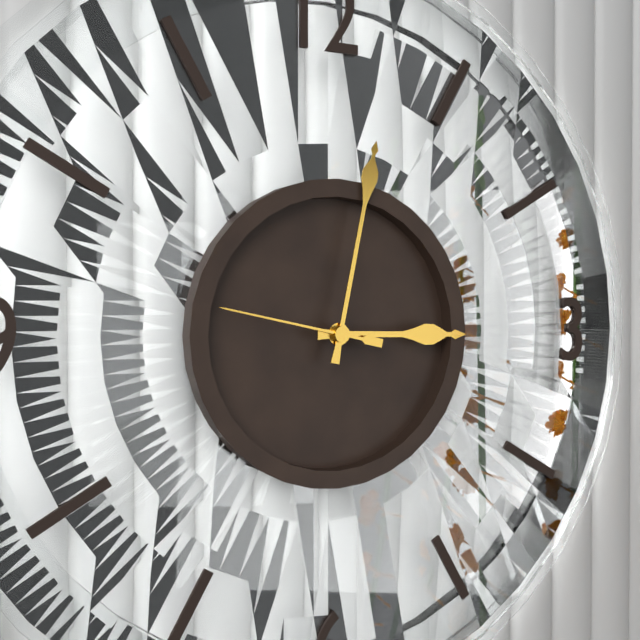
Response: 3:02:47
